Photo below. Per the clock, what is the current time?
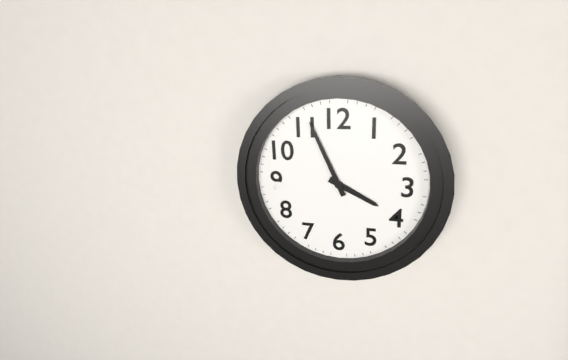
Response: 3:56
